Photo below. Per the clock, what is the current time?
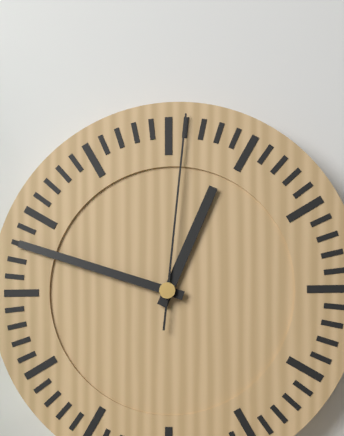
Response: 12:48:01
